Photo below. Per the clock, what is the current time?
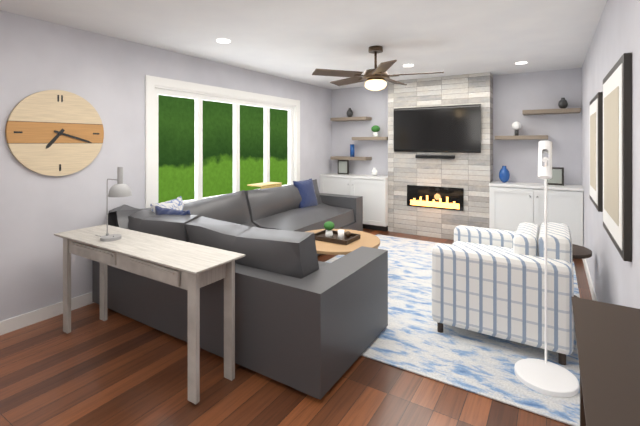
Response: 7:18
